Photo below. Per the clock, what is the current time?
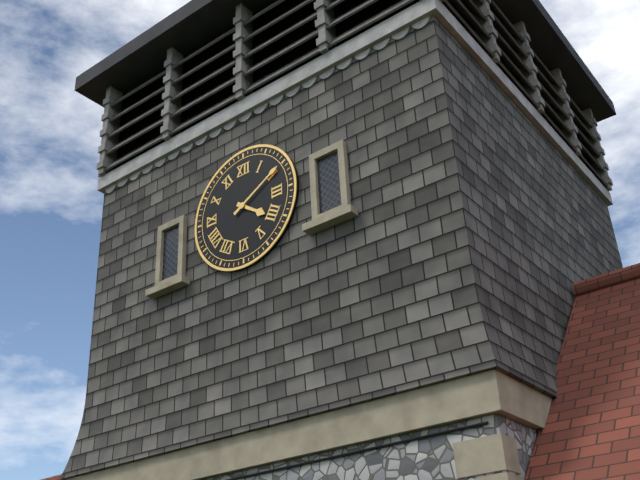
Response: 4:10
